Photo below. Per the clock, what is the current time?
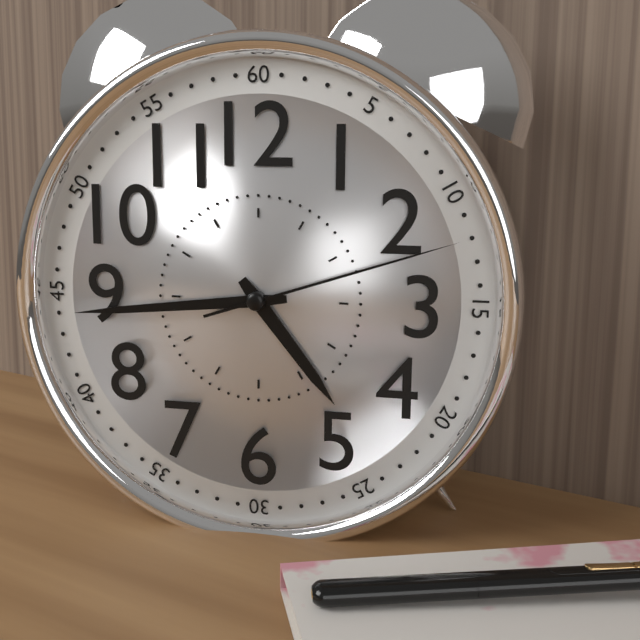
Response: 4:44:12
